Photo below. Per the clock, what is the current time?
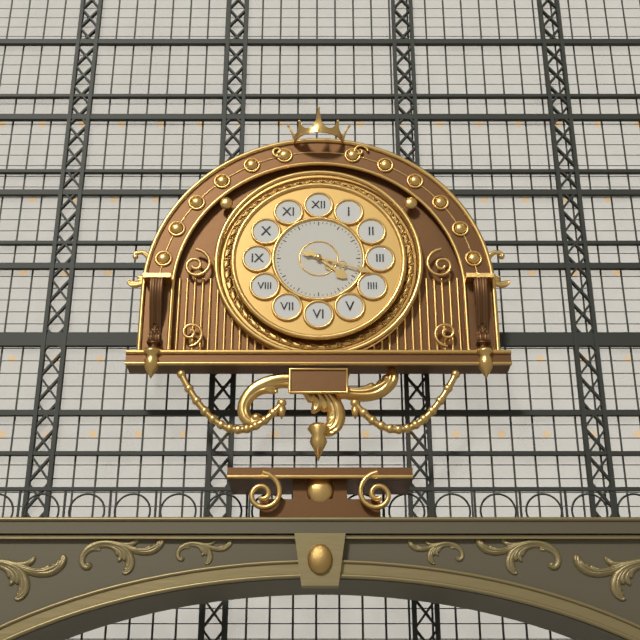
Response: 4:18
